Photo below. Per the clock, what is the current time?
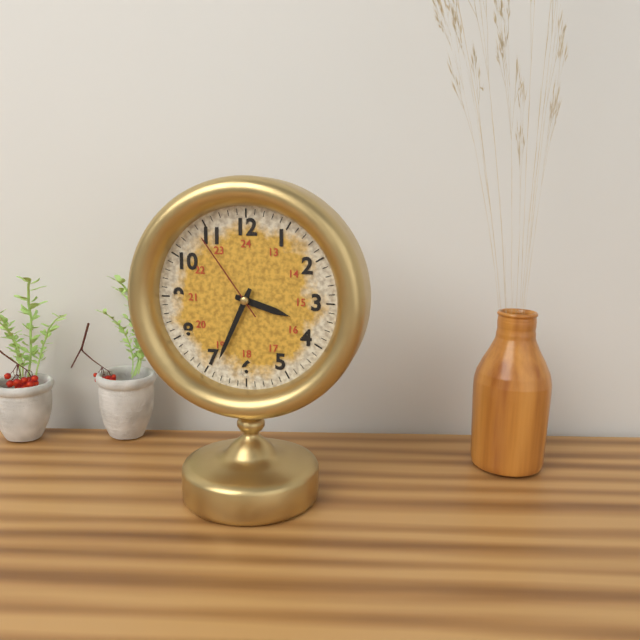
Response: 3:34:54
